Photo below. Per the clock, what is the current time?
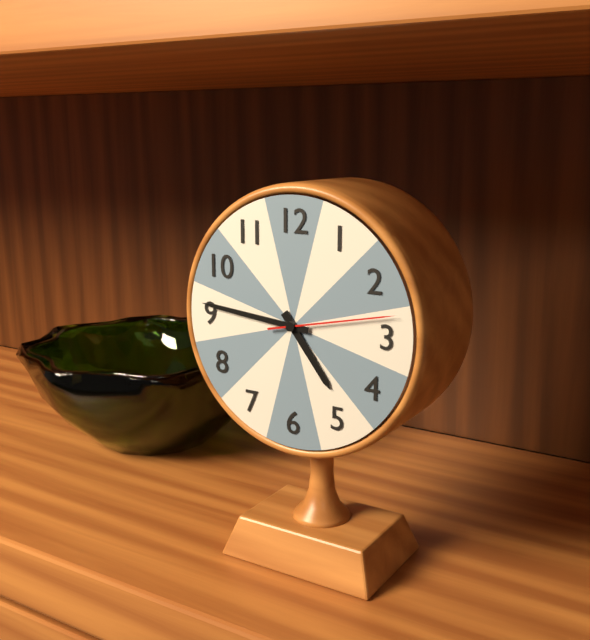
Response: 4:46:13
